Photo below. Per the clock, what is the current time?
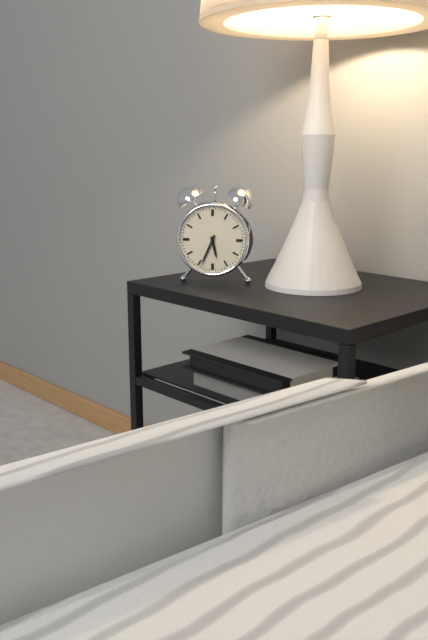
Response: 5:34
